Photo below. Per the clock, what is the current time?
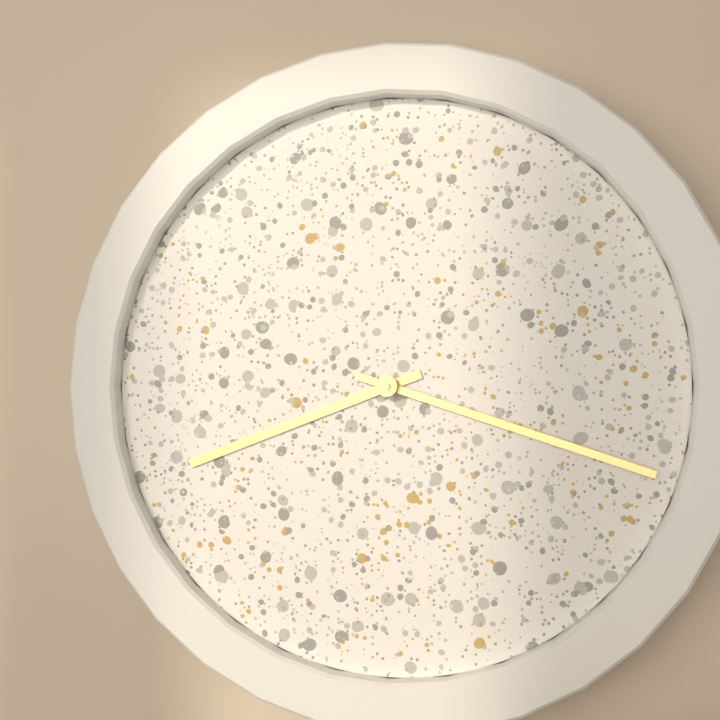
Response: 8:18
